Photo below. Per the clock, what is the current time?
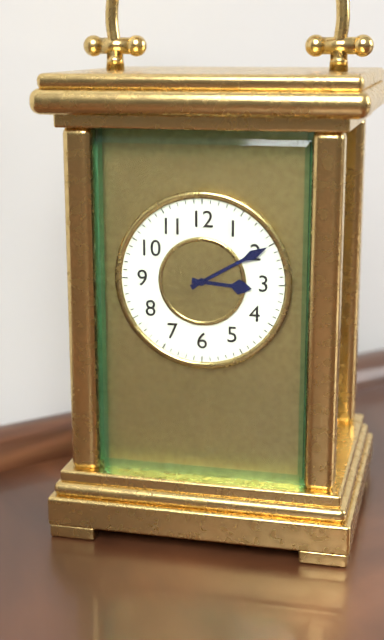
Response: 3:10
